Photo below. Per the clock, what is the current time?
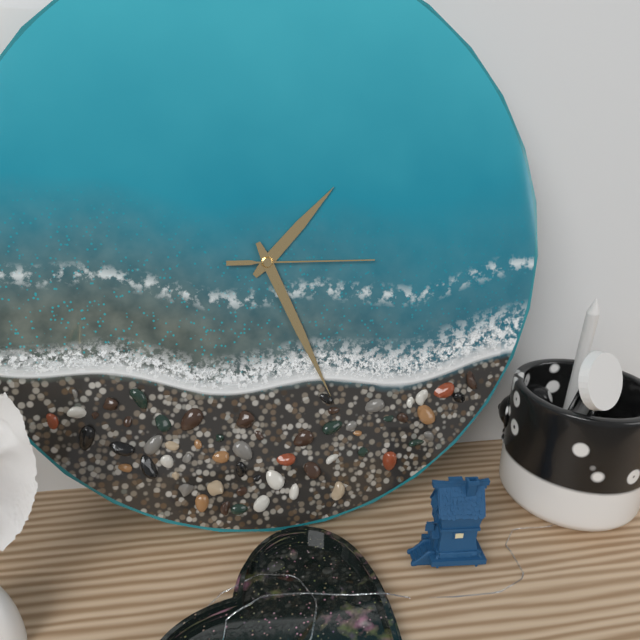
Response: 1:26:15
